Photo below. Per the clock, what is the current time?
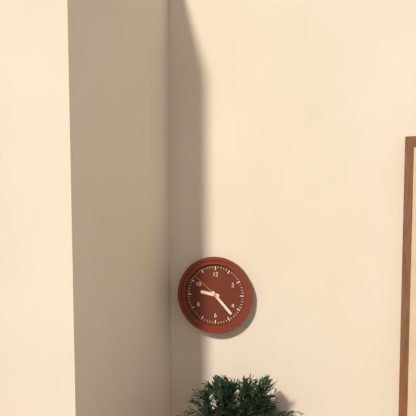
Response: 9:23
